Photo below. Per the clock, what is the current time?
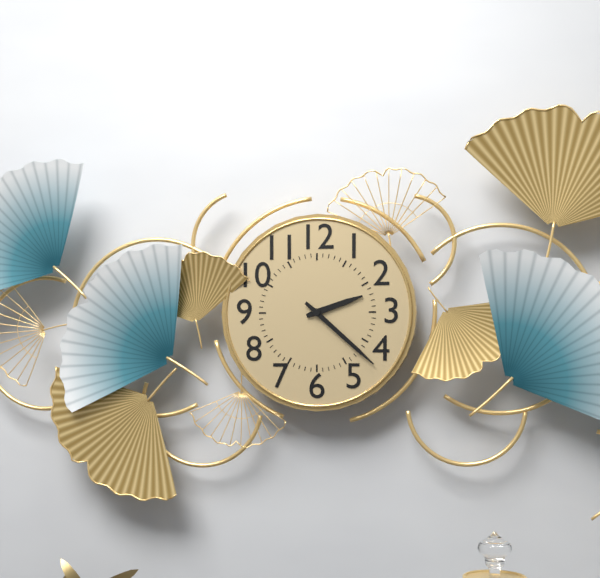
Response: 2:22
